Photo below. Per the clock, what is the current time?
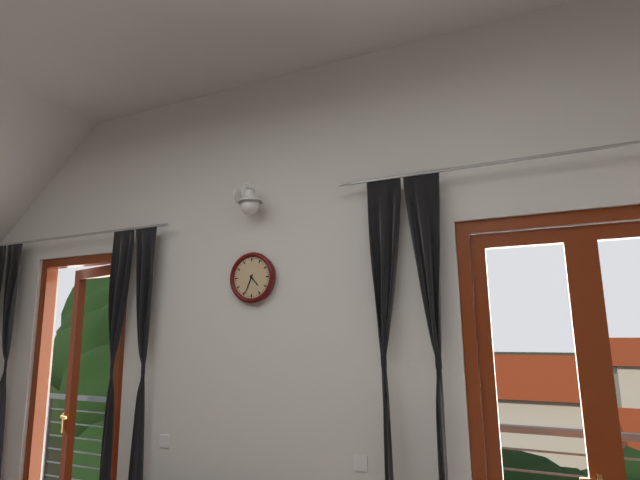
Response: 4:34
